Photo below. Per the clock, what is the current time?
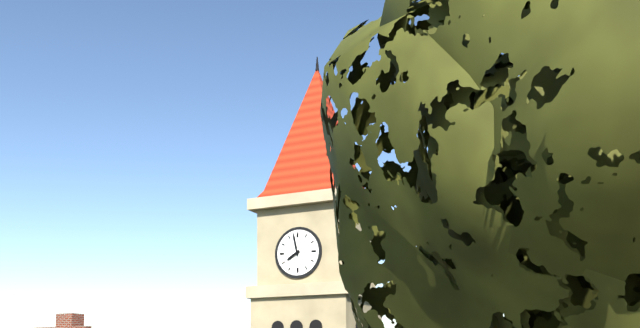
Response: 7:58
